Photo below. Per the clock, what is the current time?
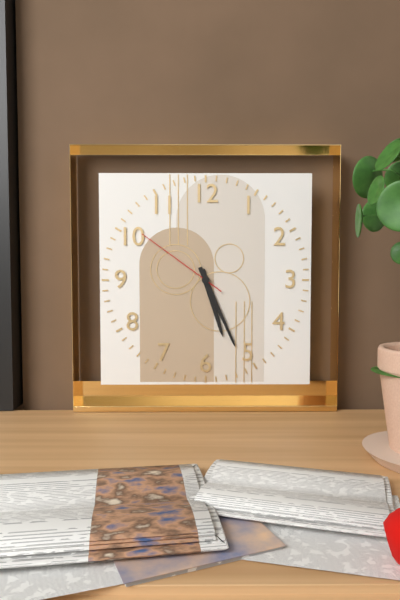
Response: 5:26:51
